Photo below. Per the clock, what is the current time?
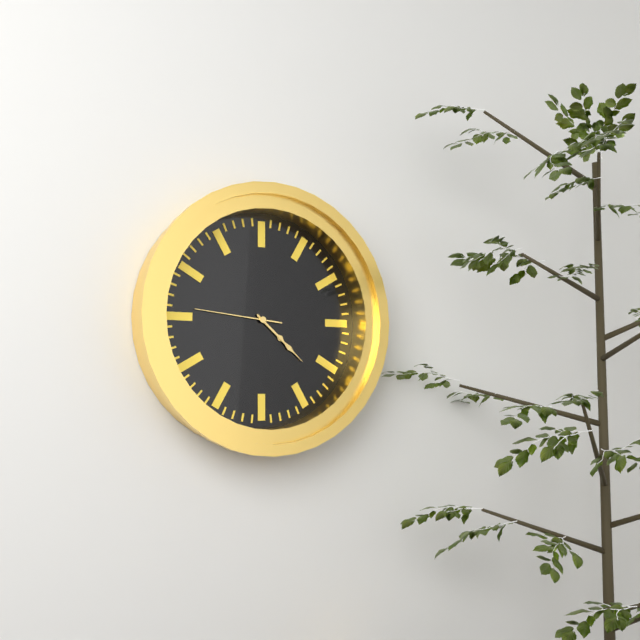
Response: 4:22:46
